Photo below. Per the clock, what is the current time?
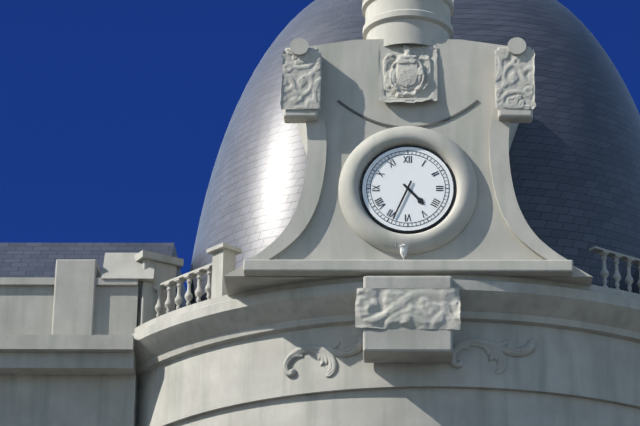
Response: 4:34
